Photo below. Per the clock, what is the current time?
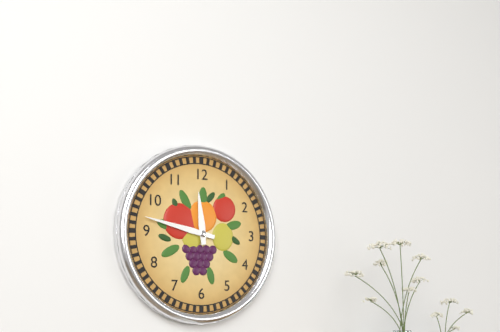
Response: 11:47
